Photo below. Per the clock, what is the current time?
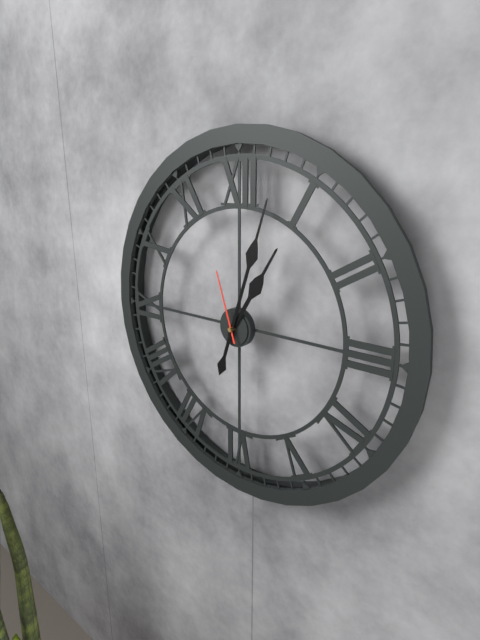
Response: 1:03:57
